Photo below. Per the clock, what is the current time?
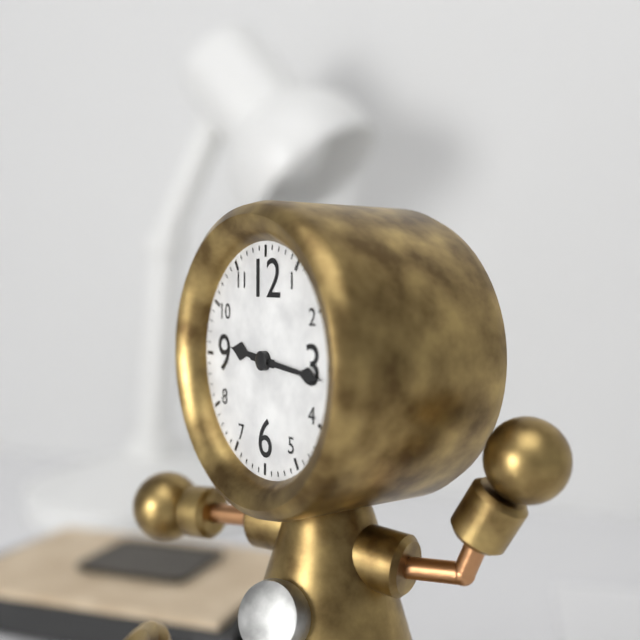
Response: 9:16
